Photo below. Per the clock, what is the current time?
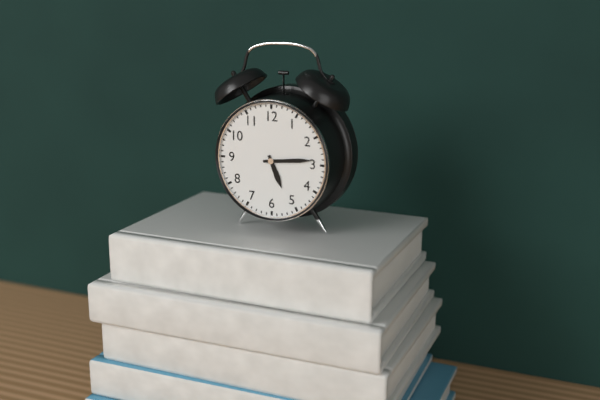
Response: 5:14
